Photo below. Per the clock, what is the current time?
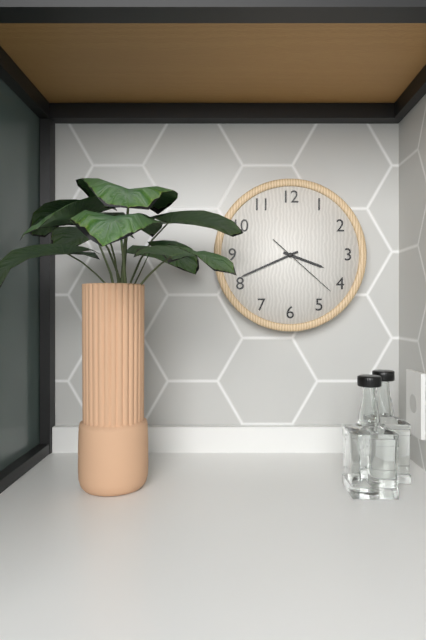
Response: 3:41:22
